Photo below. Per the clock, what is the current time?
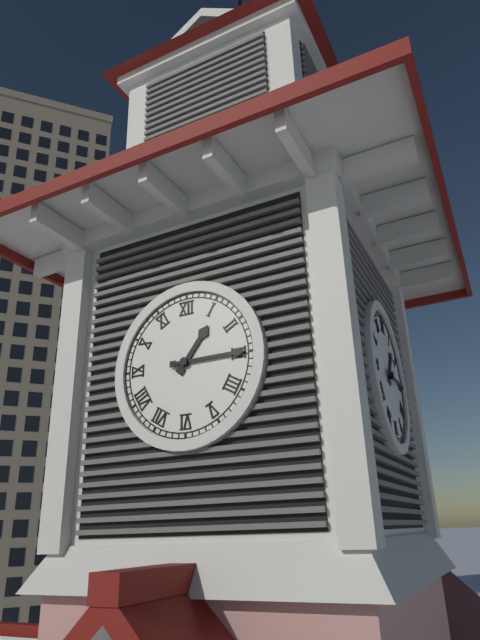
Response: 1:15
